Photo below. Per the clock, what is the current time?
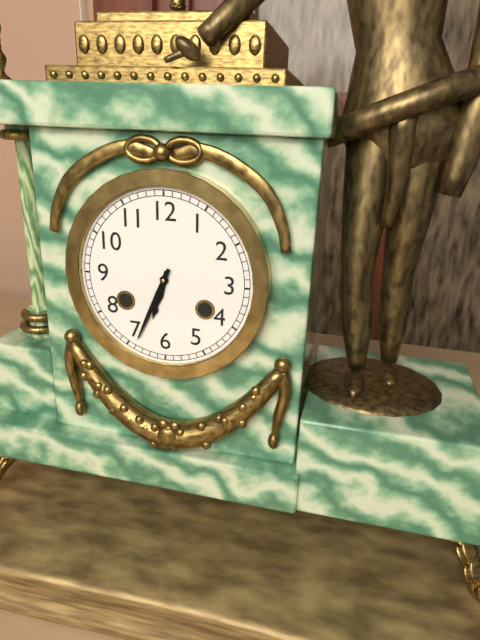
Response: 6:34
